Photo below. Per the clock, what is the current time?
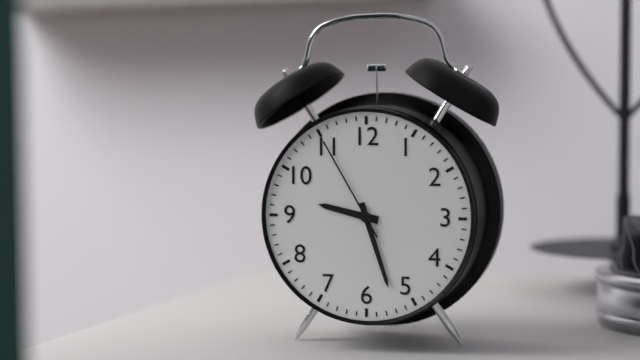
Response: 9:27:55
